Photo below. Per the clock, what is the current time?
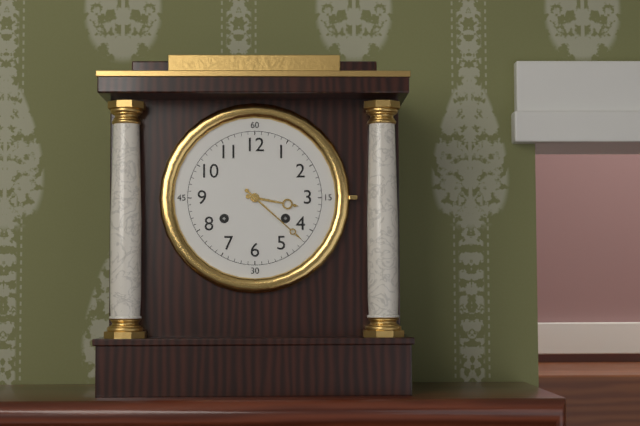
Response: 3:22
